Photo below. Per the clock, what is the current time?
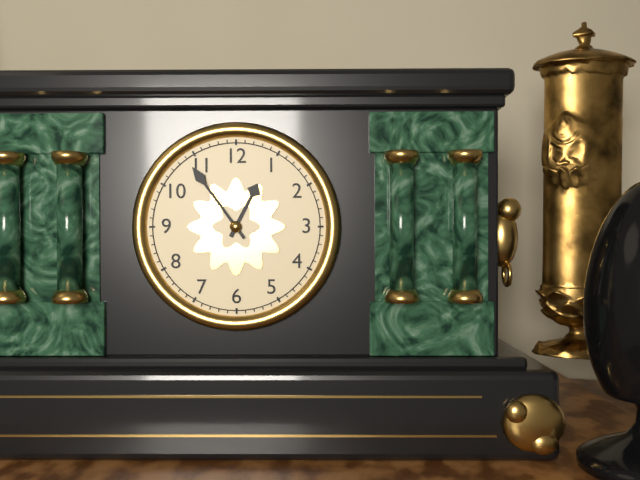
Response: 12:54
